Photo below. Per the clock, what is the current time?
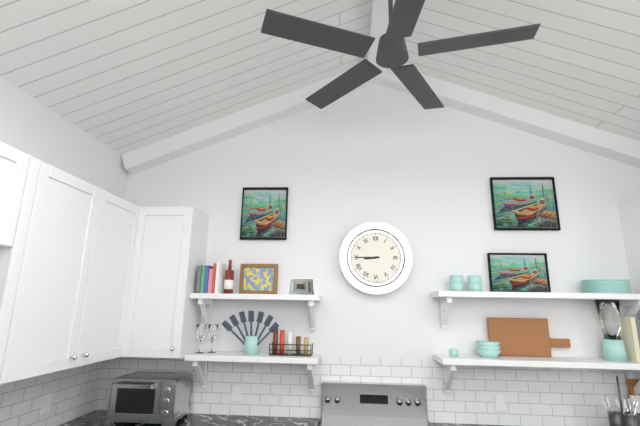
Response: 8:45
